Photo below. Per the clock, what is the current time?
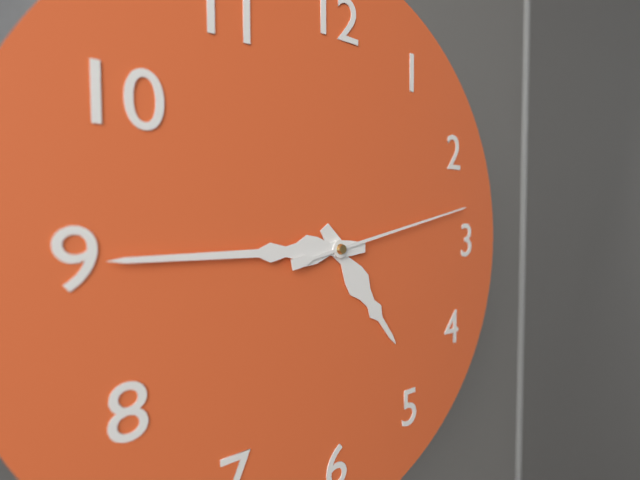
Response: 4:45:13
